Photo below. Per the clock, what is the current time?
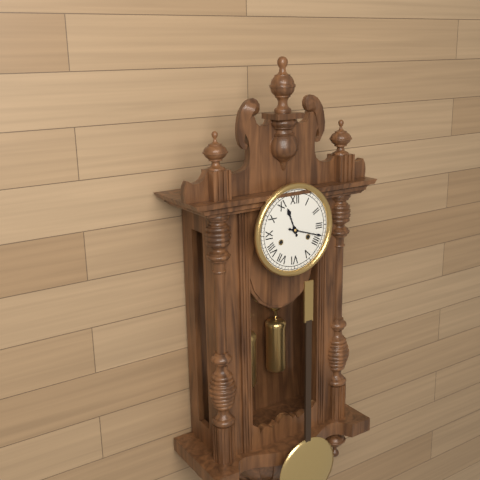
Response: 11:18
